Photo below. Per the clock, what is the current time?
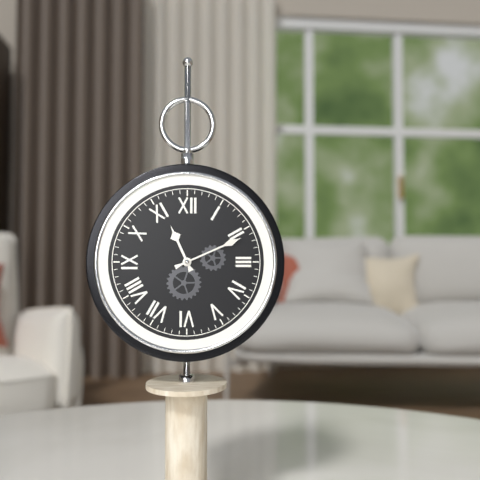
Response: 11:11
